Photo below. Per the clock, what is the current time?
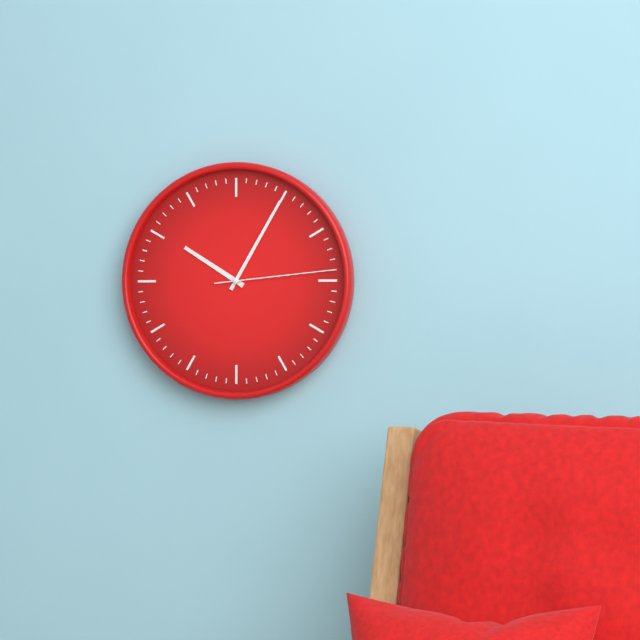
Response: 10:05:14
